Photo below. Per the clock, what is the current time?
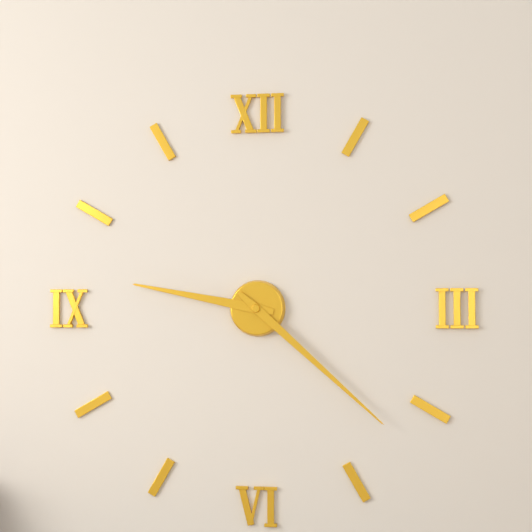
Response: 9:22
